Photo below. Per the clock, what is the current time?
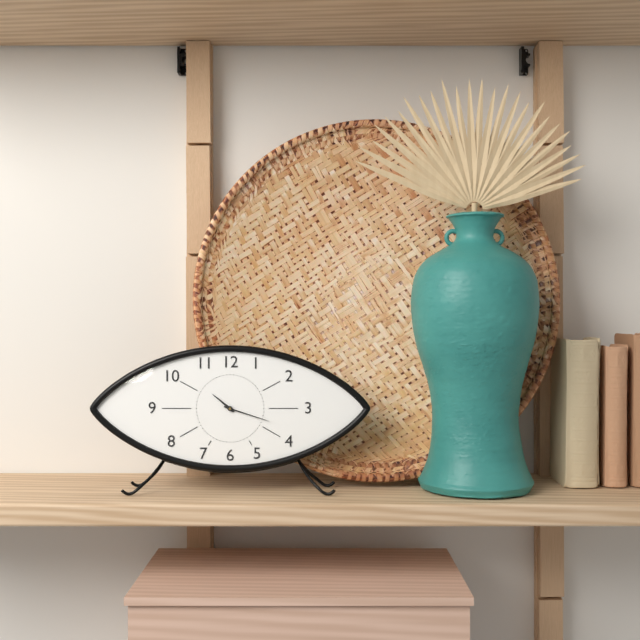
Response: 10:18
